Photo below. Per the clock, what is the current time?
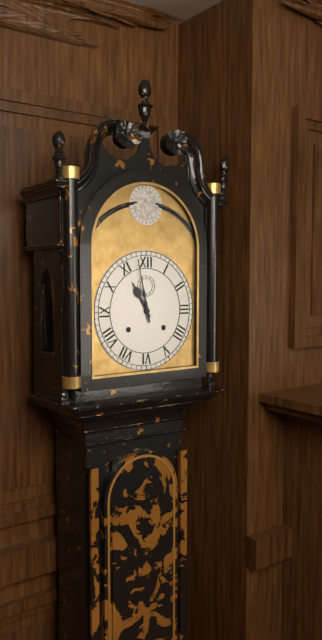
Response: 10:58
